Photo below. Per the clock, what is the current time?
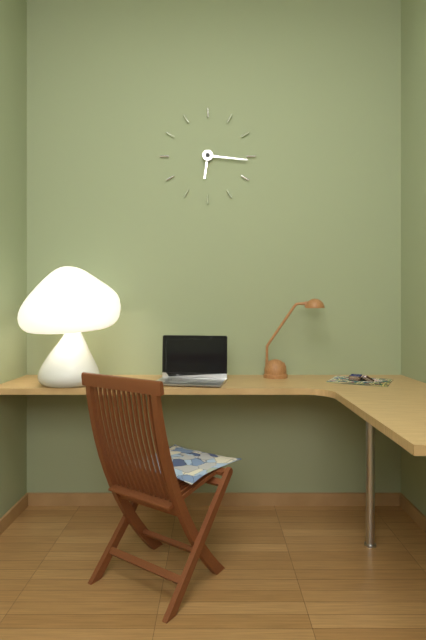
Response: 6:16
